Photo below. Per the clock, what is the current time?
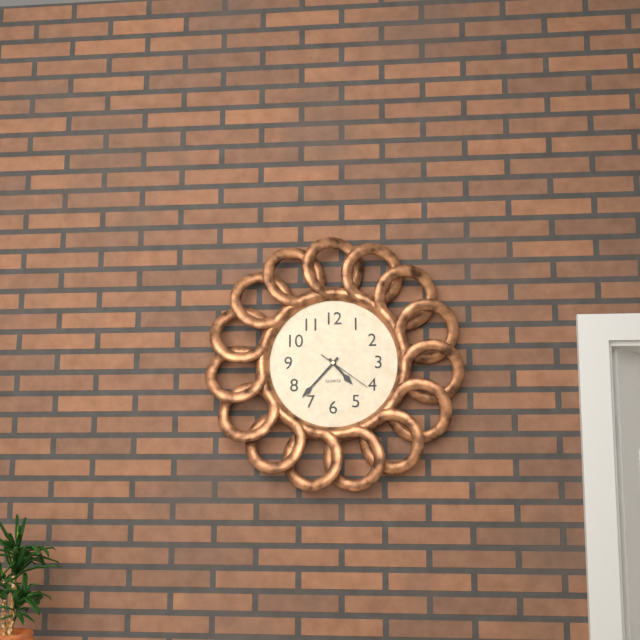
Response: 4:37
